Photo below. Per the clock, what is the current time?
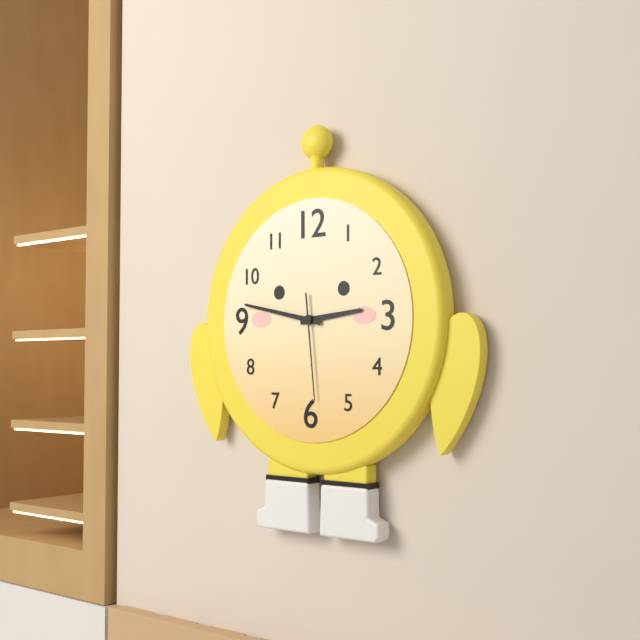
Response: 2:47:29
